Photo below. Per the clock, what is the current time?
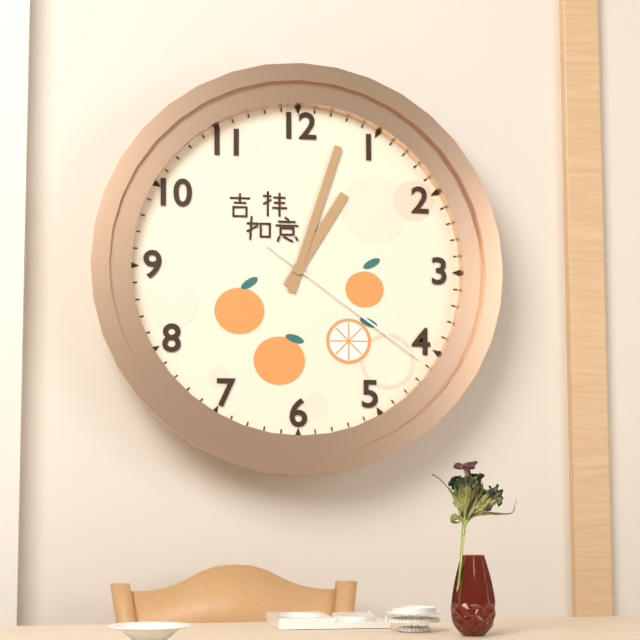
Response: 1:03:21
